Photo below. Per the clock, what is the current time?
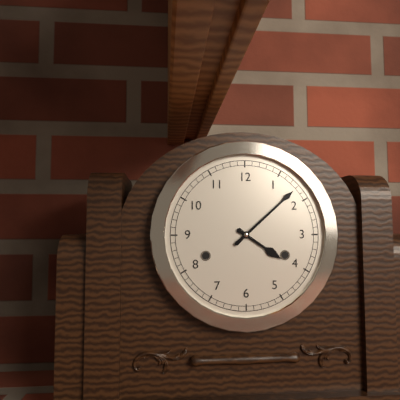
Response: 4:08
